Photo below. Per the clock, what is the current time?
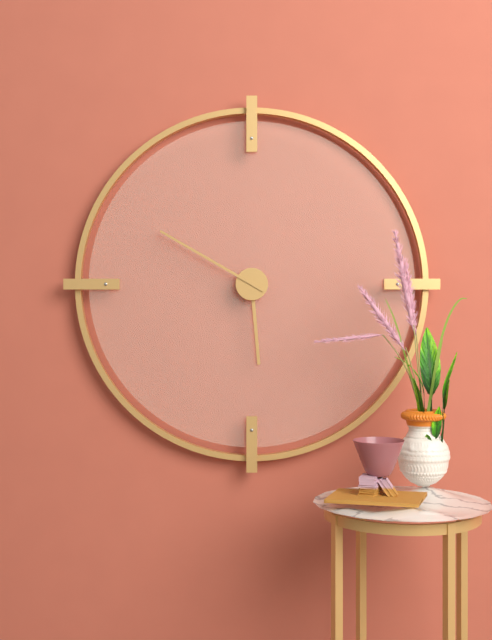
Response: 5:50
